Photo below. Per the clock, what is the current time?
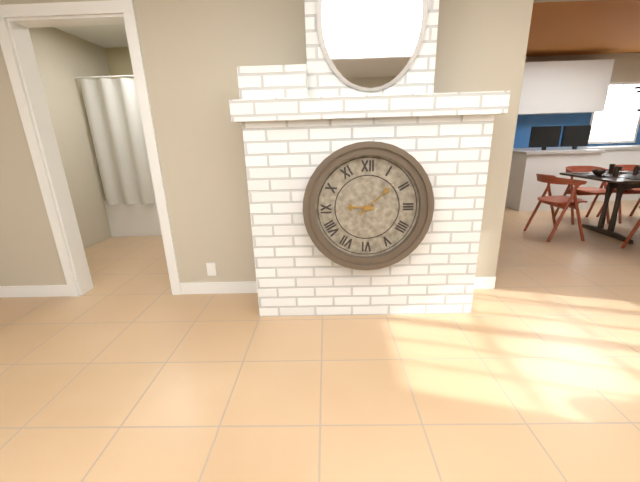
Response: 9:08
